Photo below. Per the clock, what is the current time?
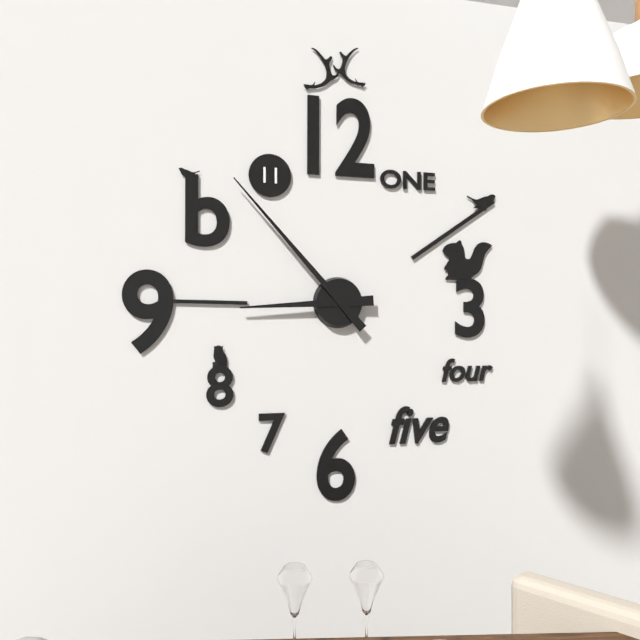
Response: 8:53
